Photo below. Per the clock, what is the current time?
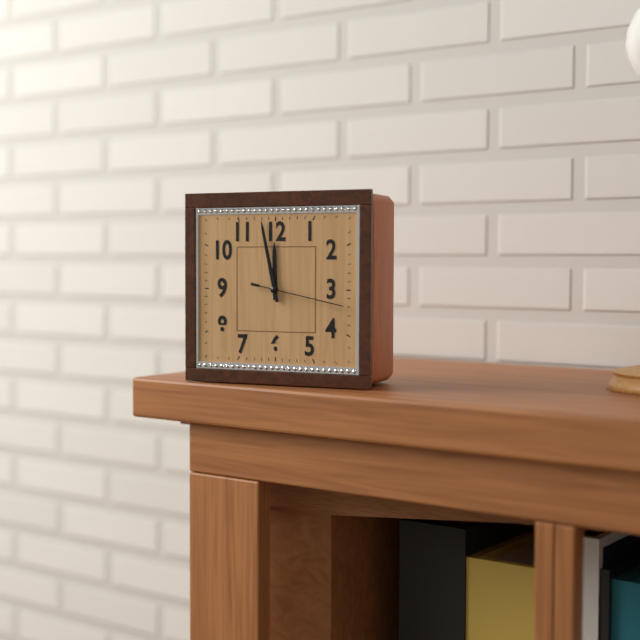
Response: 11:58:17
